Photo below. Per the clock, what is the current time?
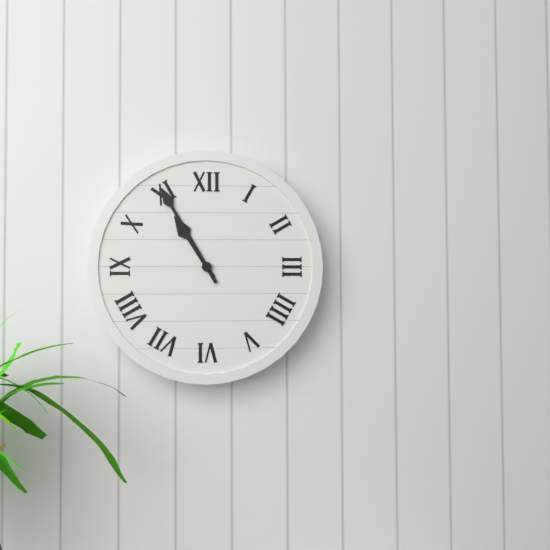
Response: 10:55
